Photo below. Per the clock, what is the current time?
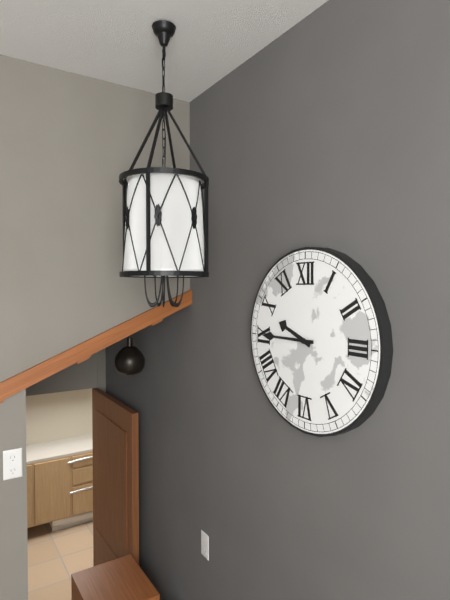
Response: 9:45
